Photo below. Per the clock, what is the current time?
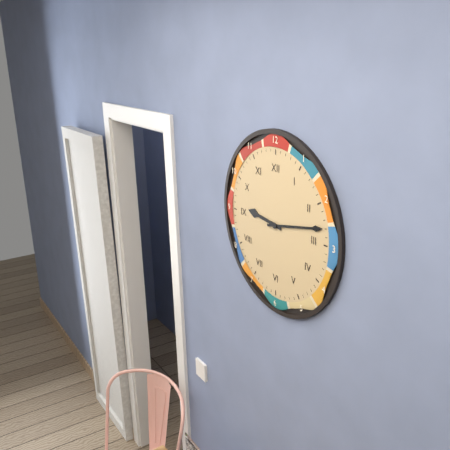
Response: 9:13
